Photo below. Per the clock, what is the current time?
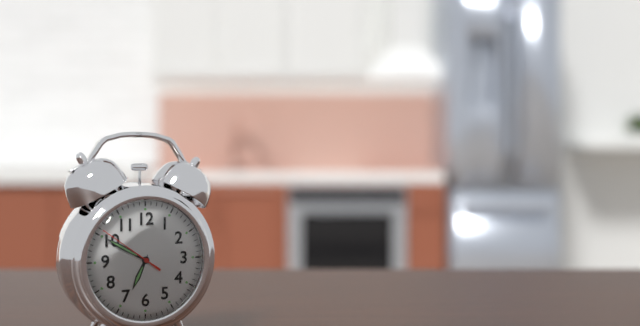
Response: 6:50:51
